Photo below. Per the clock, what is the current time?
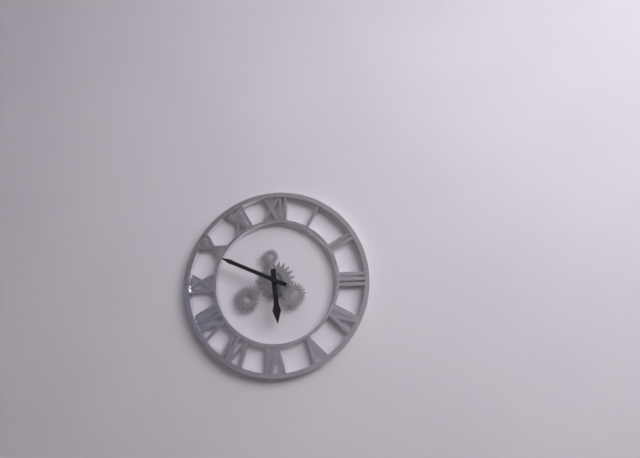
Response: 5:49
